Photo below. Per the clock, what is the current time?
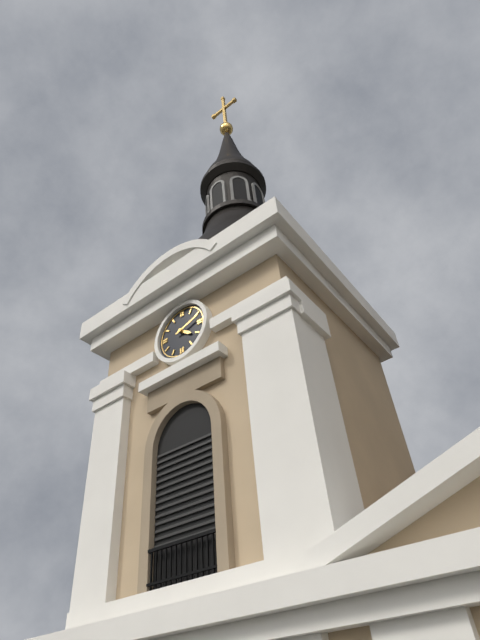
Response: 4:12
